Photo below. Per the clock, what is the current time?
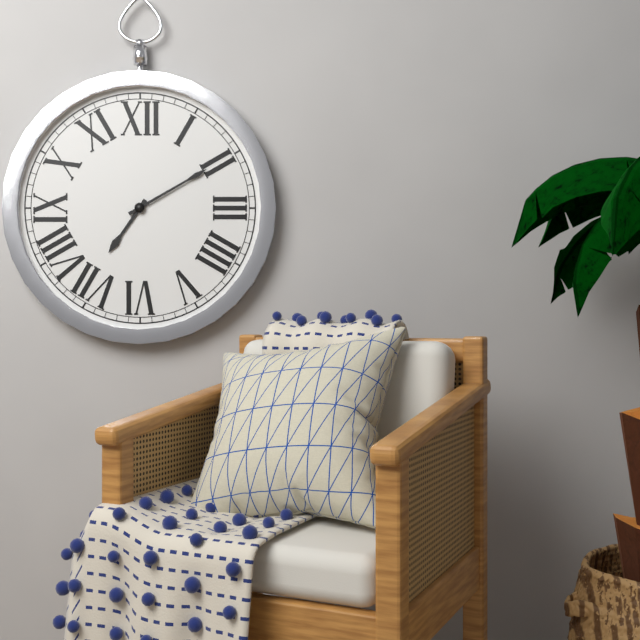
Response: 7:10
